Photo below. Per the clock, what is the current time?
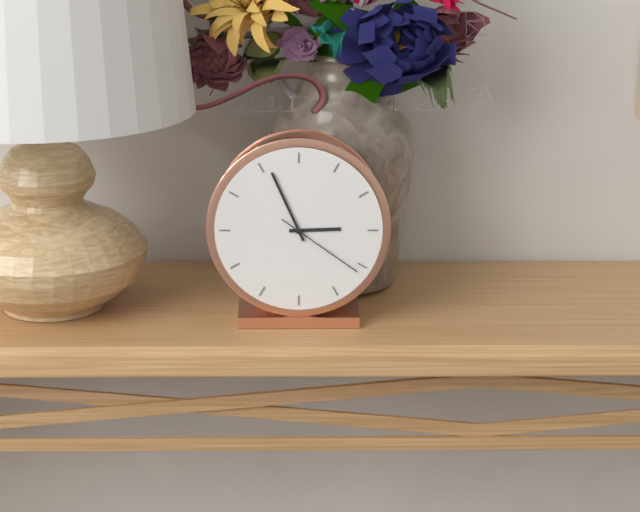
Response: 2:56:21
